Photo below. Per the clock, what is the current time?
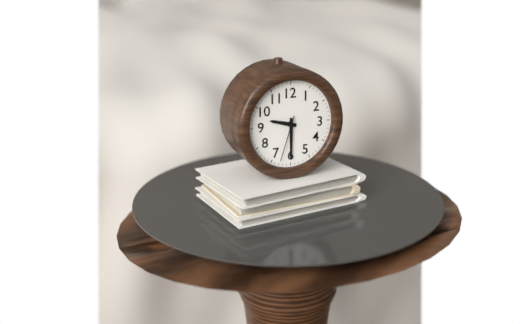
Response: 9:30
